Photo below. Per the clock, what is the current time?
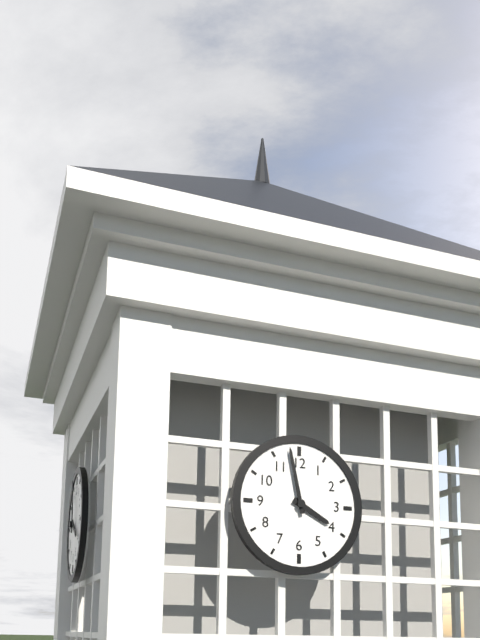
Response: 3:58
